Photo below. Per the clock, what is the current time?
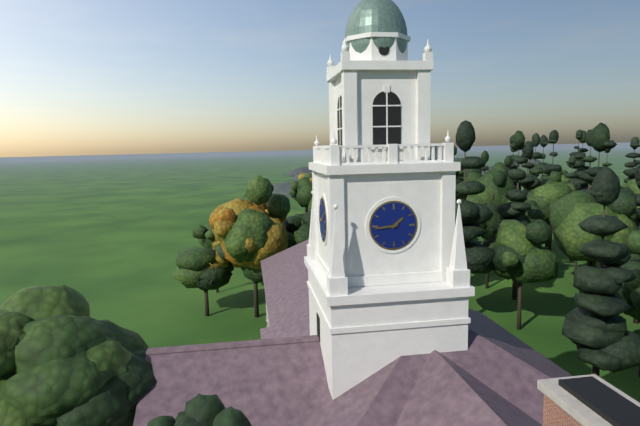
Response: 1:44
